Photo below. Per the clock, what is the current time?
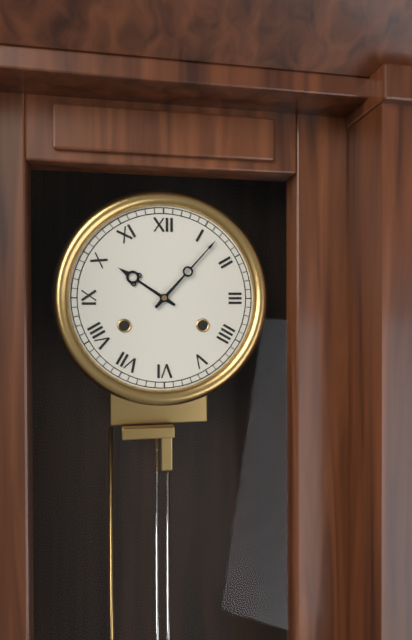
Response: 10:07
